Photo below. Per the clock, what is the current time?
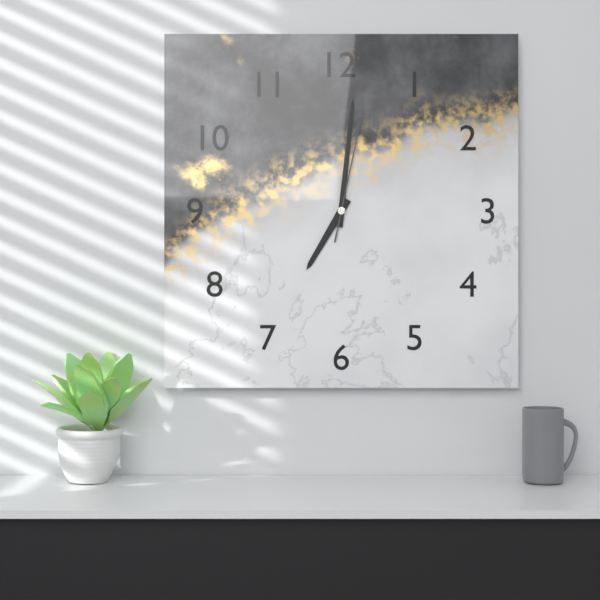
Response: 7:01:02
